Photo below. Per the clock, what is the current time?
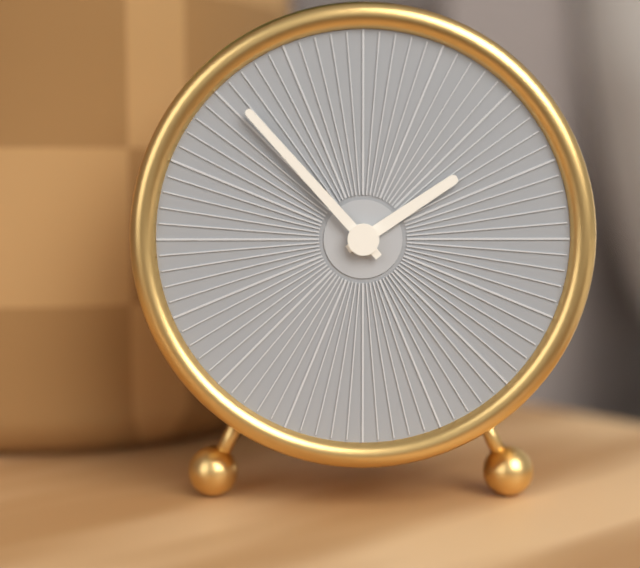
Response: 1:53
